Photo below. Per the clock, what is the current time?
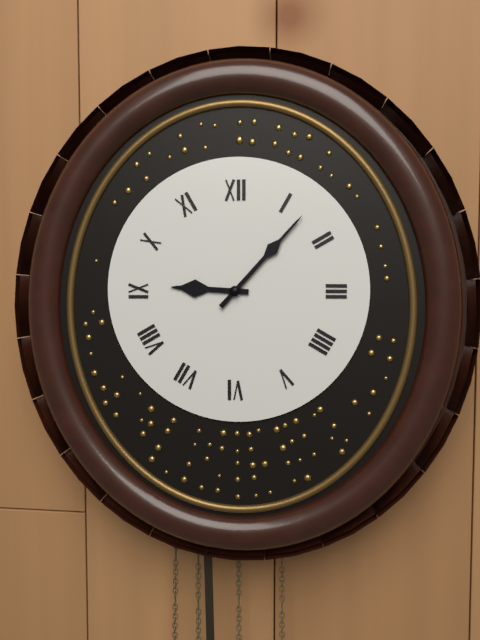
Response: 9:07
